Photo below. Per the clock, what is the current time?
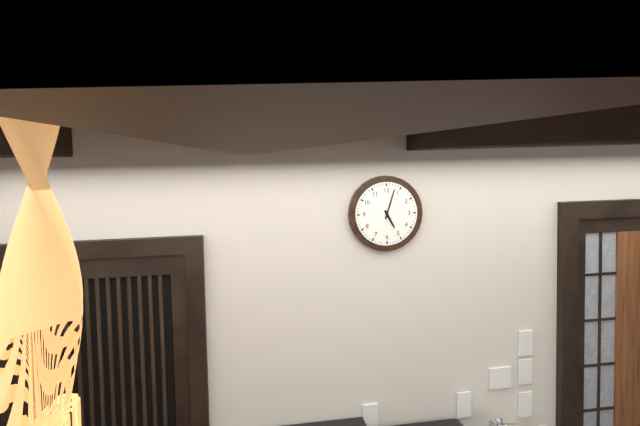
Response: 5:03
